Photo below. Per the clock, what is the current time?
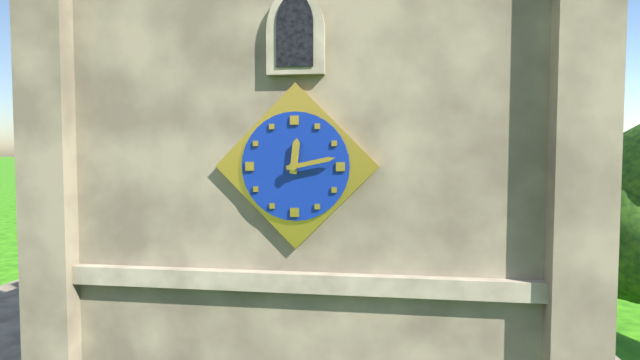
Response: 12:13
